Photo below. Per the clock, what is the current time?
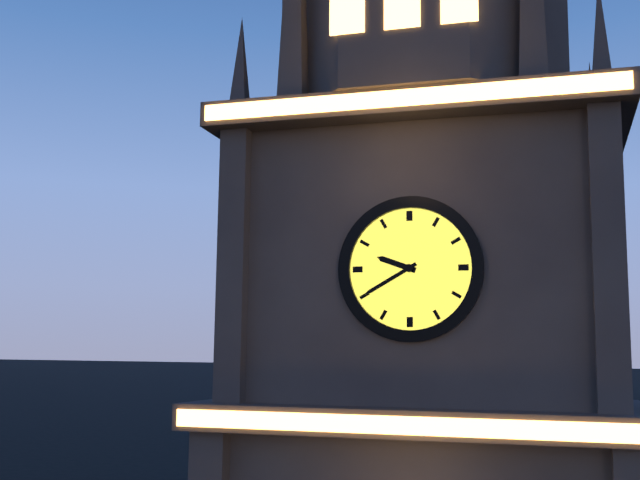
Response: 9:40
